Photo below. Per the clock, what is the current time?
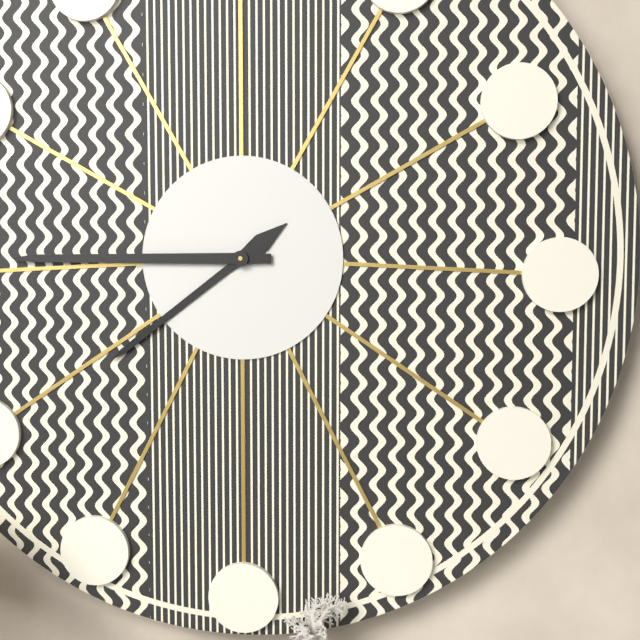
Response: 7:45
